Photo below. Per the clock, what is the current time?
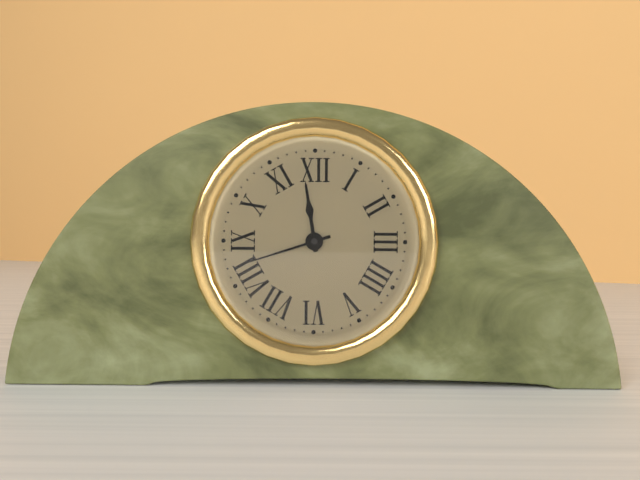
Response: 11:42
